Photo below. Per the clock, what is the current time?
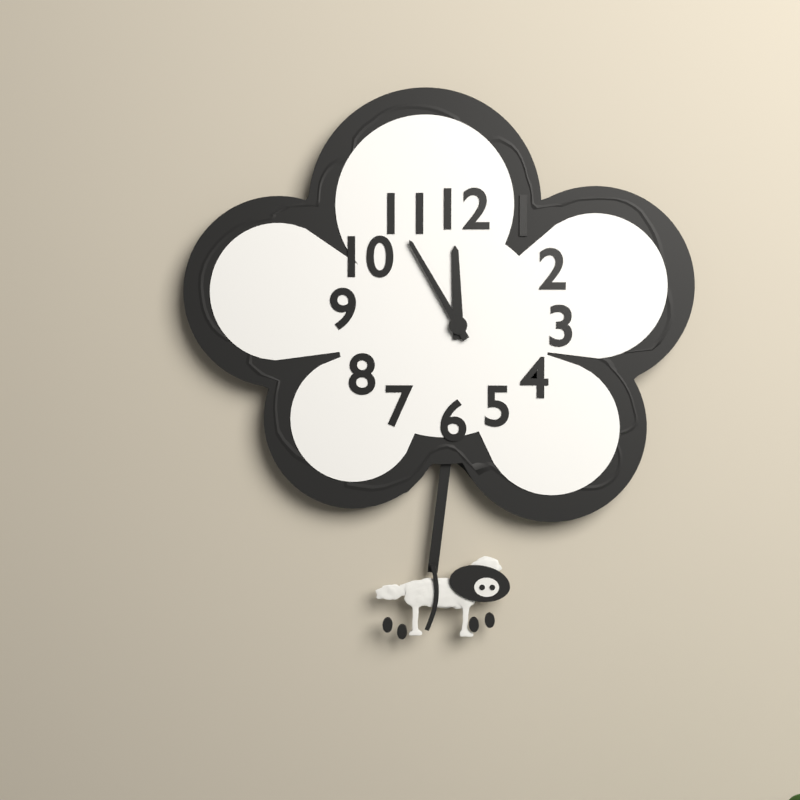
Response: 11:55
